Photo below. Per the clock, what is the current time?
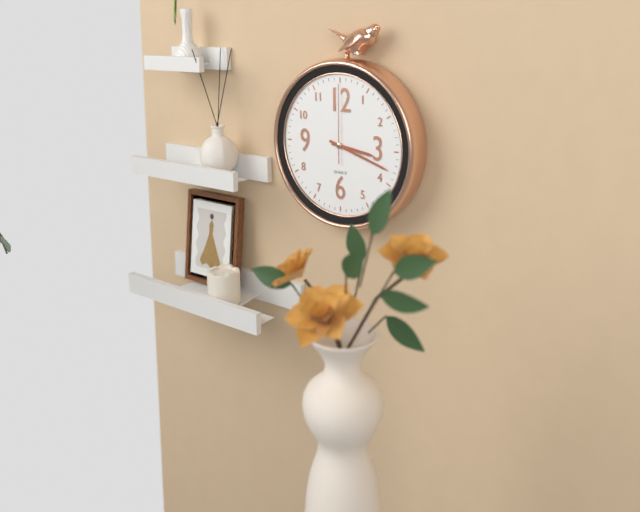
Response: 3:18:00
